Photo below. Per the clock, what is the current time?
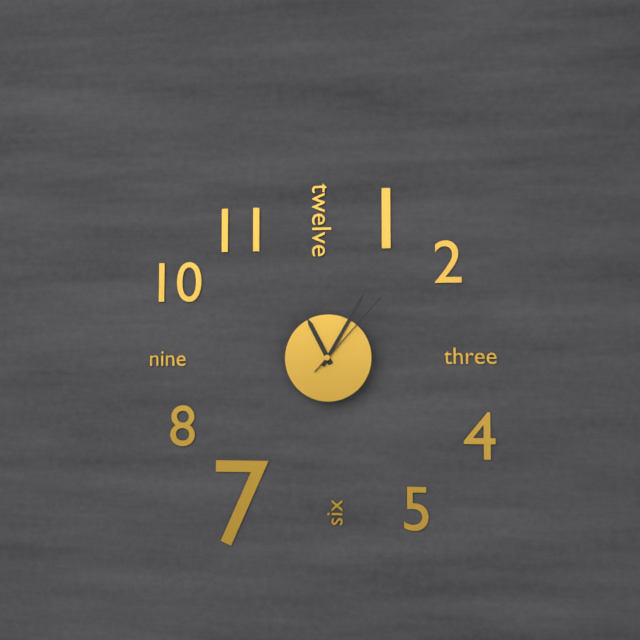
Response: 11:05:07
